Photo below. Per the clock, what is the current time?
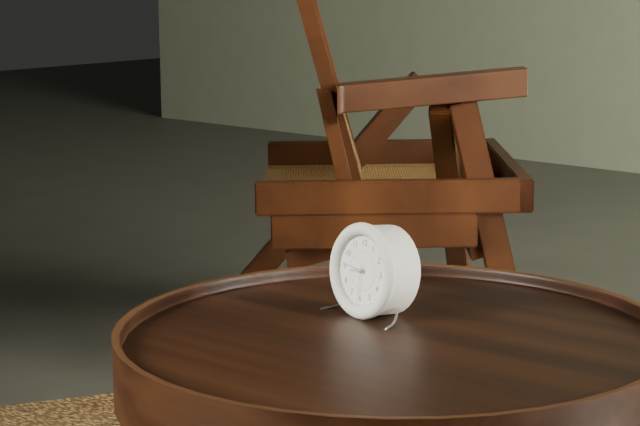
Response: 8:46
